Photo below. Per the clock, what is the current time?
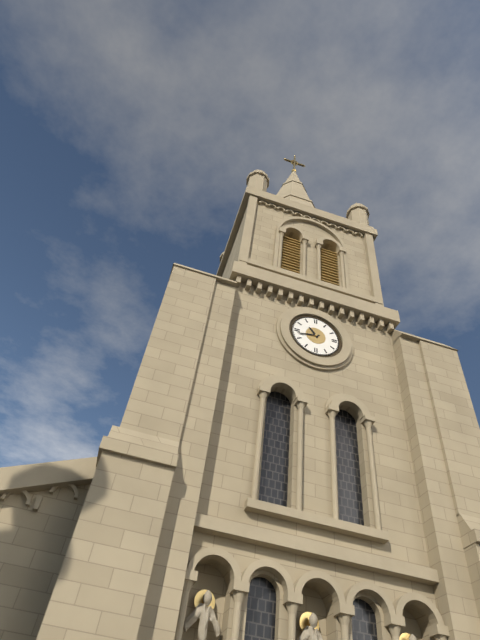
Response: 10:43
